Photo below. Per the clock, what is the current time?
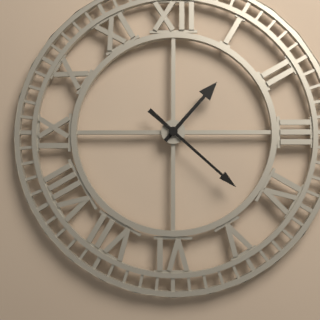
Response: 1:22
